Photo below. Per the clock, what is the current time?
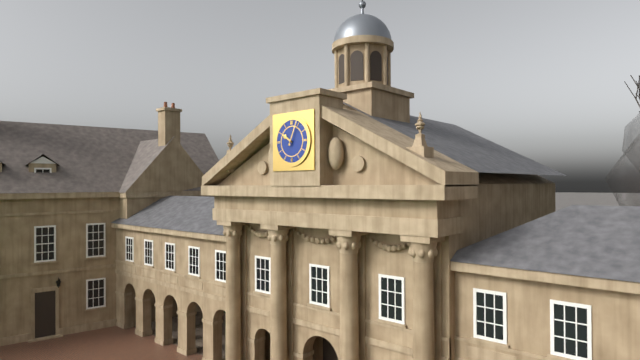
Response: 10:04
